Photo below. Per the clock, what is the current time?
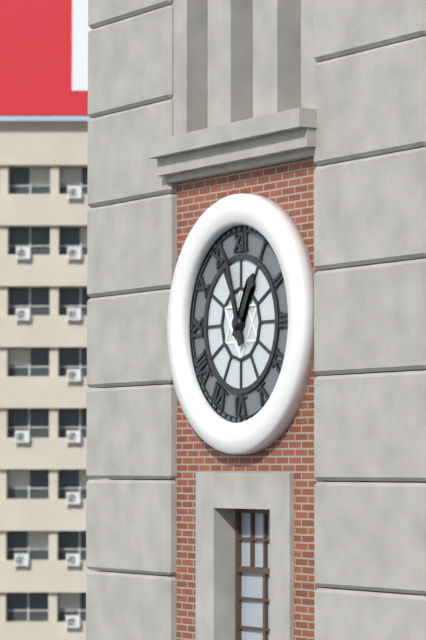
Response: 12:57
